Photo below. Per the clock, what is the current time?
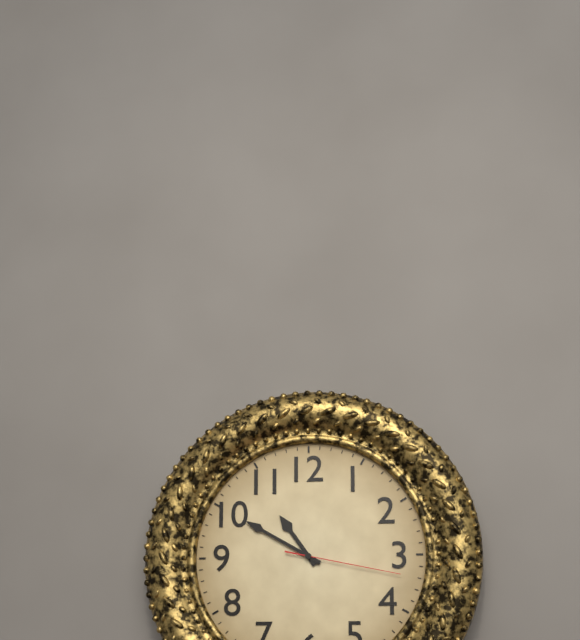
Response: 10:50:17
